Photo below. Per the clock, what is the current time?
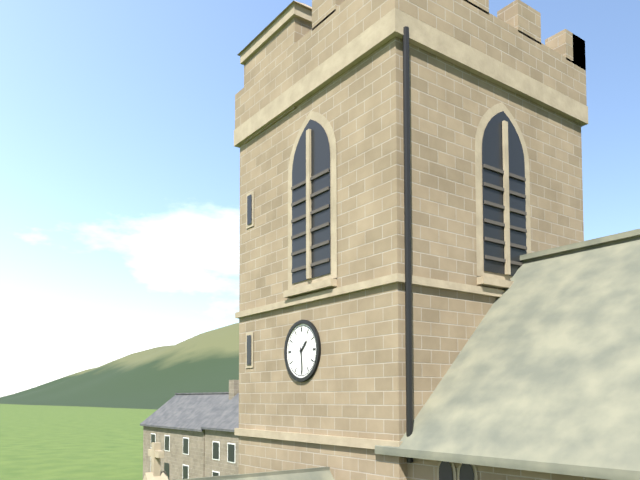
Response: 1:29
